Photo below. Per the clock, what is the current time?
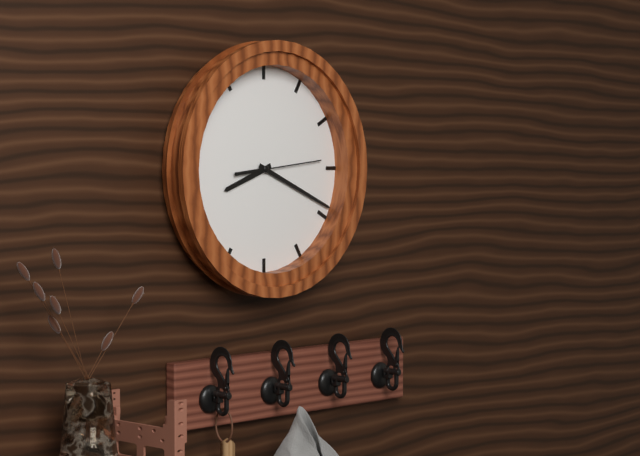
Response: 8:19:14
